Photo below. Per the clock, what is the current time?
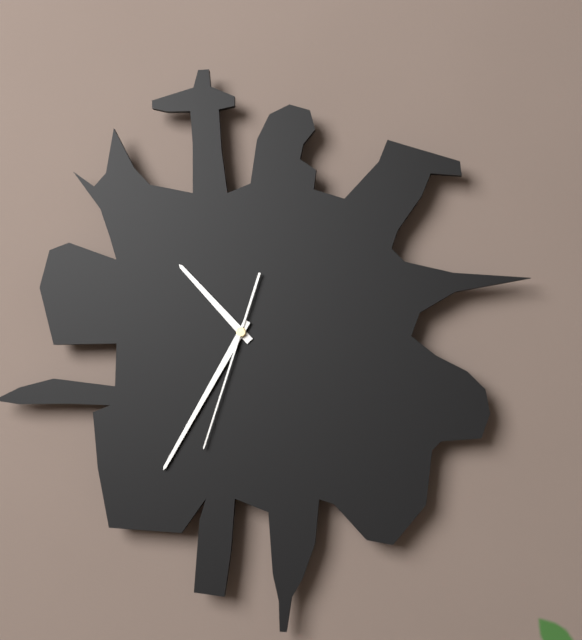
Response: 10:35:33
